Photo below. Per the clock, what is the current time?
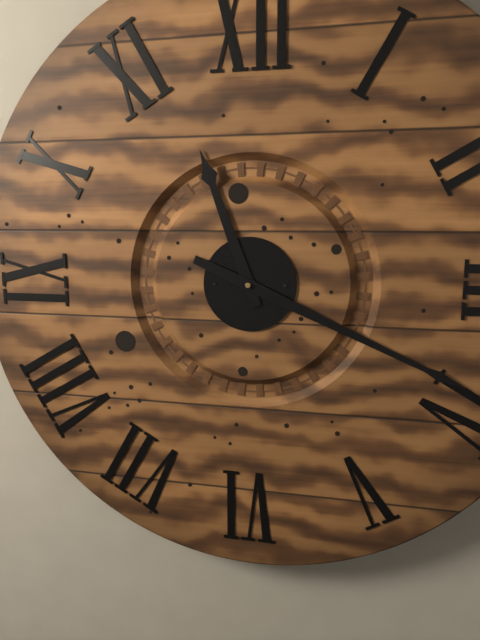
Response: 11:19
